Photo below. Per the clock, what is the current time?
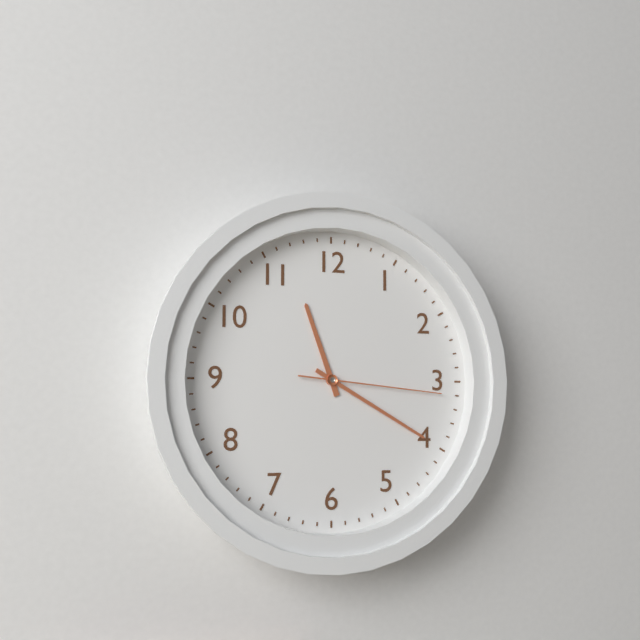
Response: 11:20:16
